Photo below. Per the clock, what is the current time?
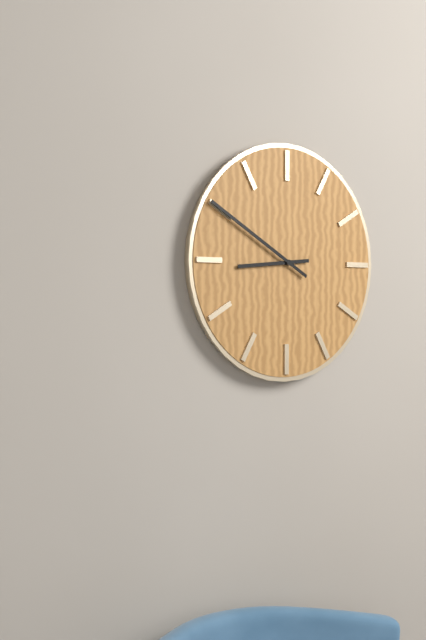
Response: 8:50
